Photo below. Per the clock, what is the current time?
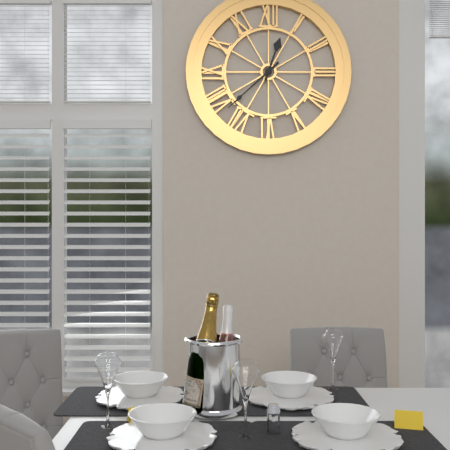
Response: 12:38
